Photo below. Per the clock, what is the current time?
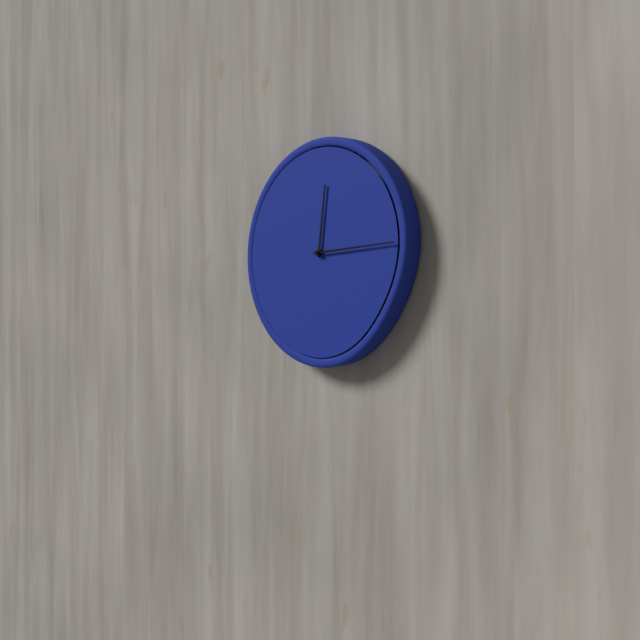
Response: 12:14
